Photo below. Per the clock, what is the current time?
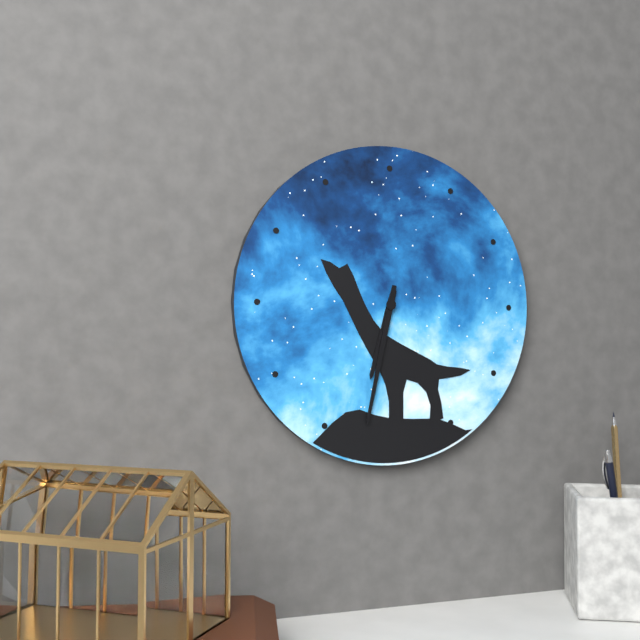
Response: 6:32
